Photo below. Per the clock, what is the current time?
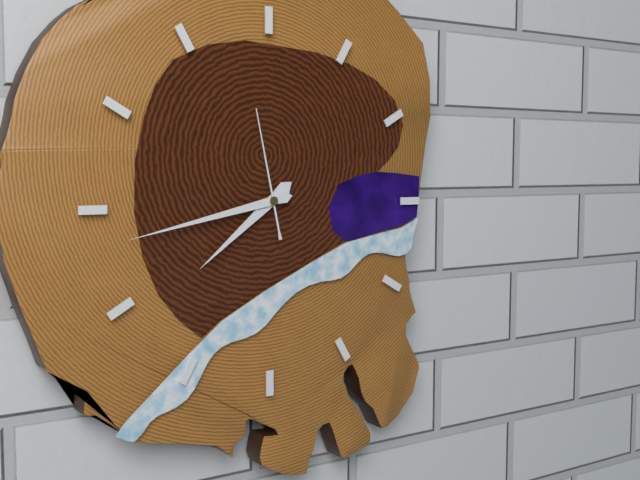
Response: 7:43:58
